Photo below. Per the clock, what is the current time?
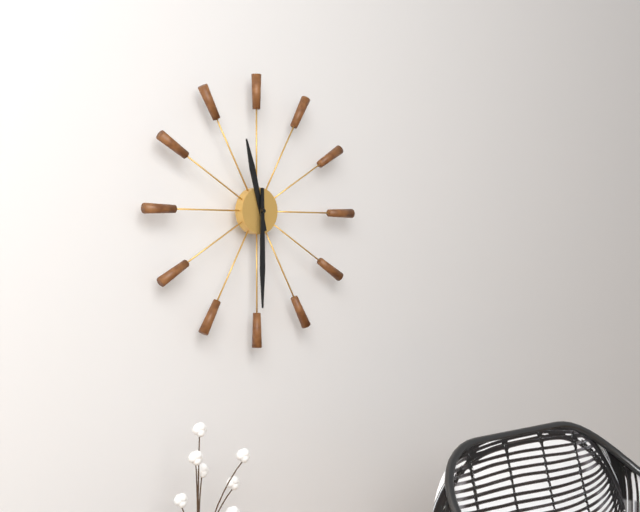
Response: 11:30
